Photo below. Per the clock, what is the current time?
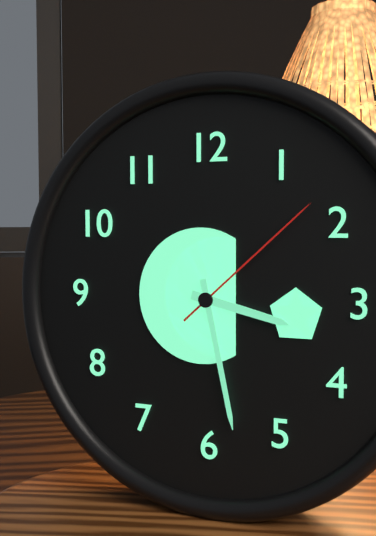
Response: 3:28:08
